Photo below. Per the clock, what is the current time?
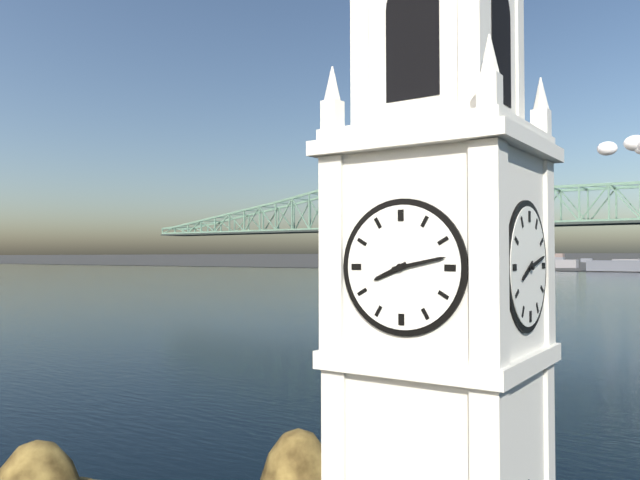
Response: 8:13
